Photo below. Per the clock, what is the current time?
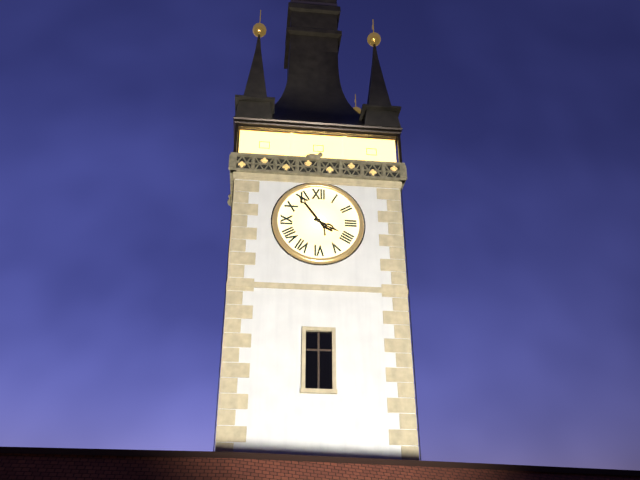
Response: 3:54
